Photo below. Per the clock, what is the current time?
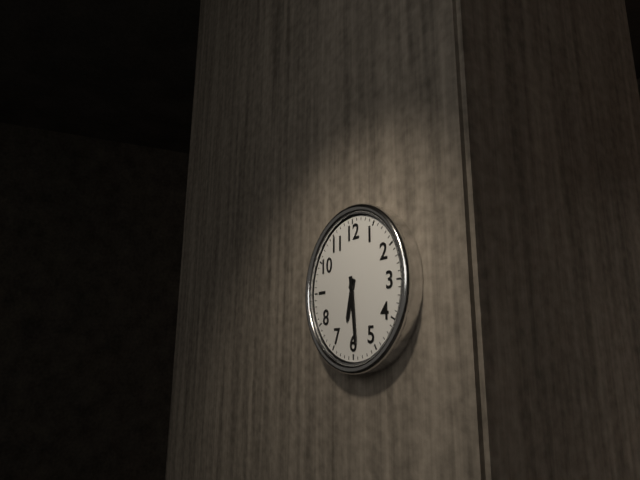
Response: 6:29
